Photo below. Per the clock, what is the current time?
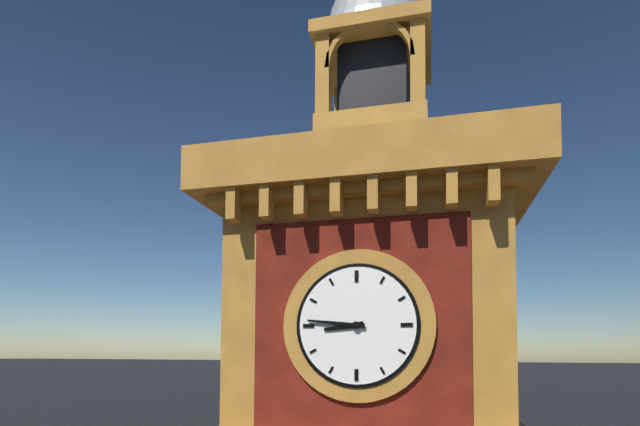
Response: 8:46
